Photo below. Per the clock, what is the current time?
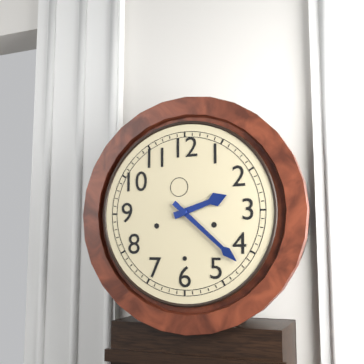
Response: 2:22
